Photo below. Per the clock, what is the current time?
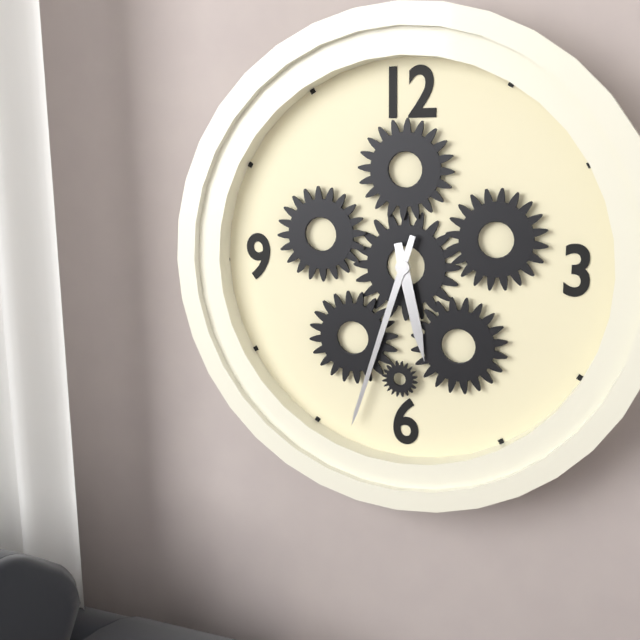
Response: 5:33
